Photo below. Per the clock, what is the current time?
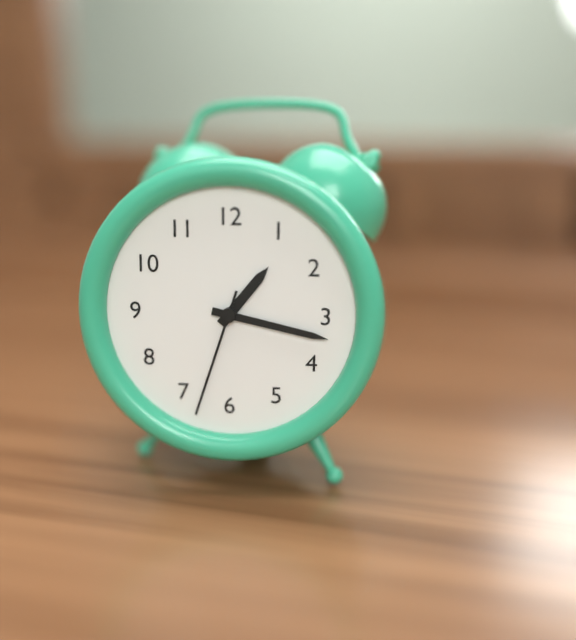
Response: 1:17:33
